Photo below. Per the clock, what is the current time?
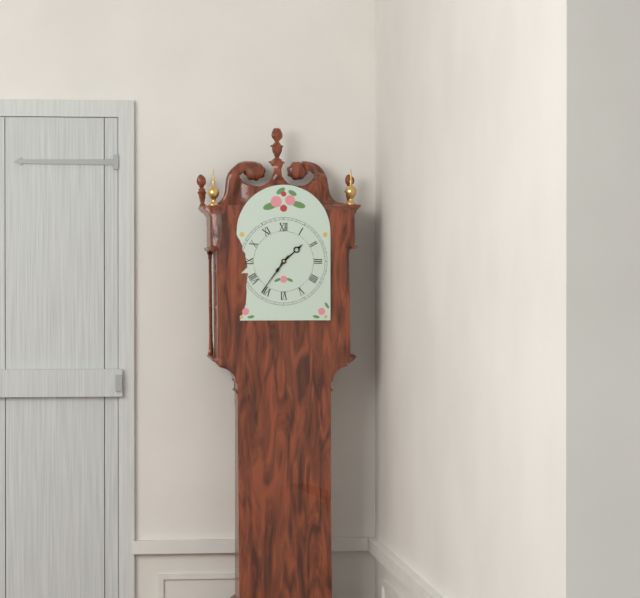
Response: 1:36
